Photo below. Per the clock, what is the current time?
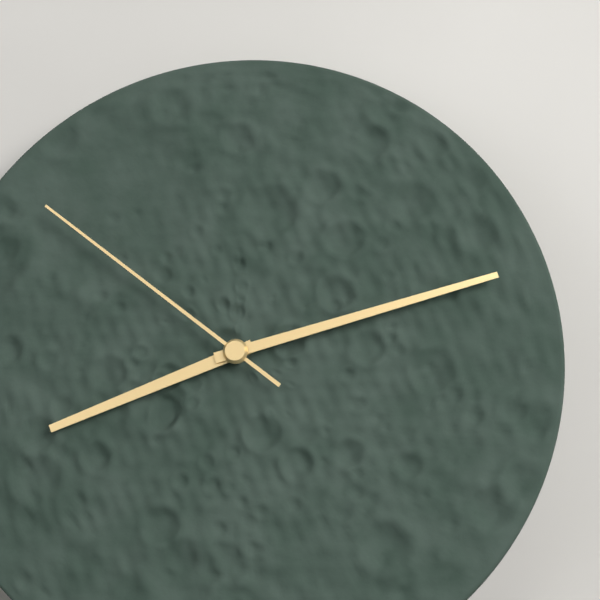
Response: 8:12:51
